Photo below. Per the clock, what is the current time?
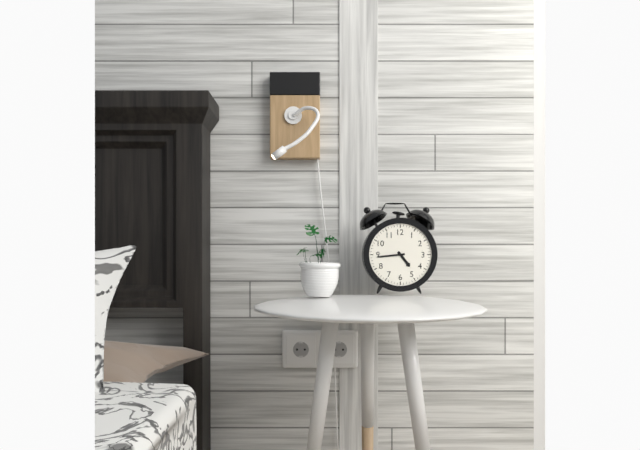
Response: 4:44
